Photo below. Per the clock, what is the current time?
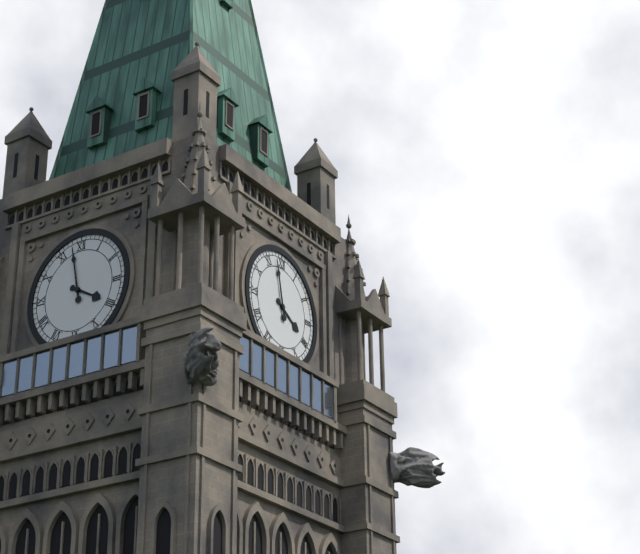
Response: 3:58
